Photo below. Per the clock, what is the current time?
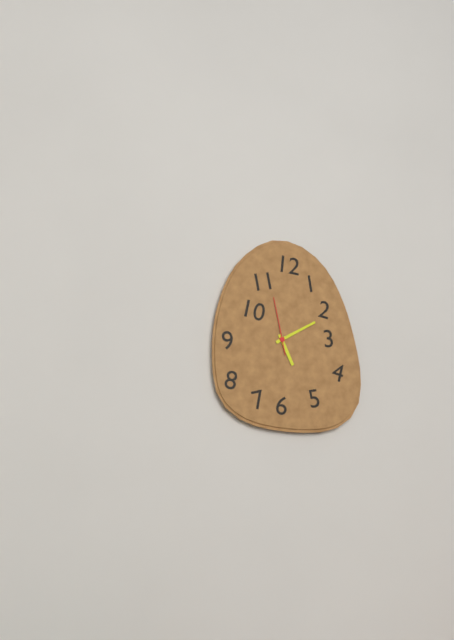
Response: 5:10:58
